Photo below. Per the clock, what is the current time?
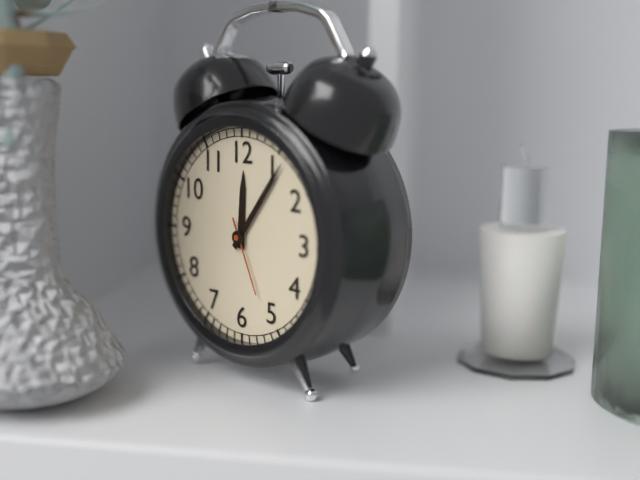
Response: 12:06:26
